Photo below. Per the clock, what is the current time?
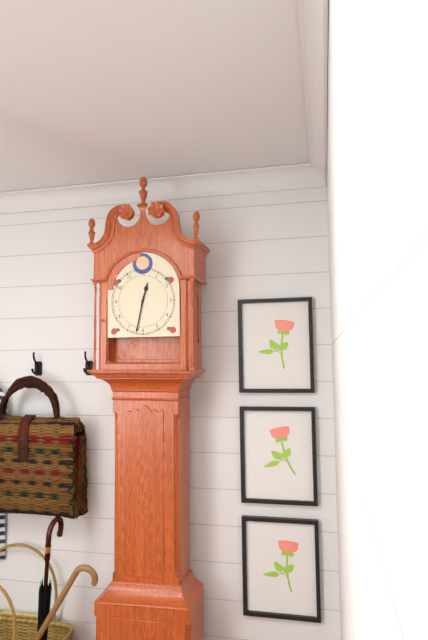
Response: 12:32
